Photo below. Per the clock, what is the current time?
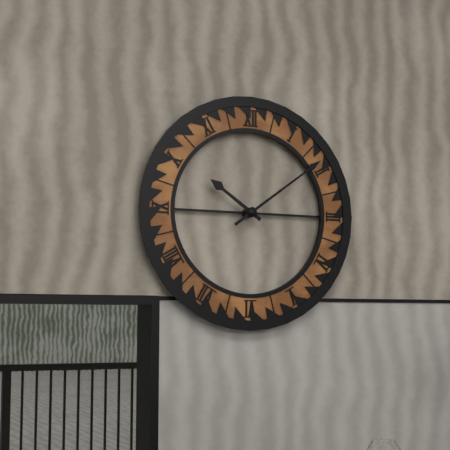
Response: 10:09
